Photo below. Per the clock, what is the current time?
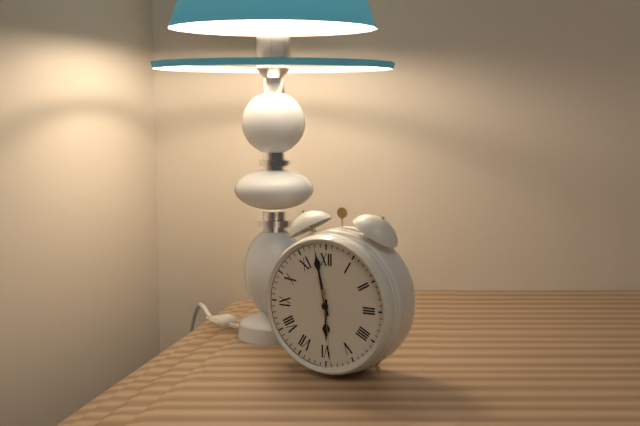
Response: 5:58:29
